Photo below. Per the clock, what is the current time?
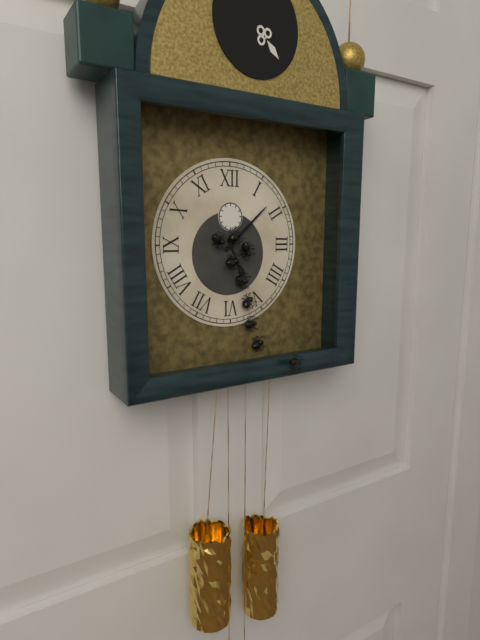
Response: 5:08
